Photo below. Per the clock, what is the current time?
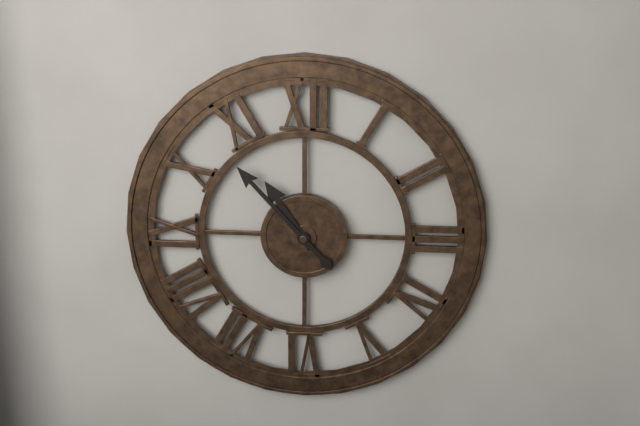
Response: 10:53
